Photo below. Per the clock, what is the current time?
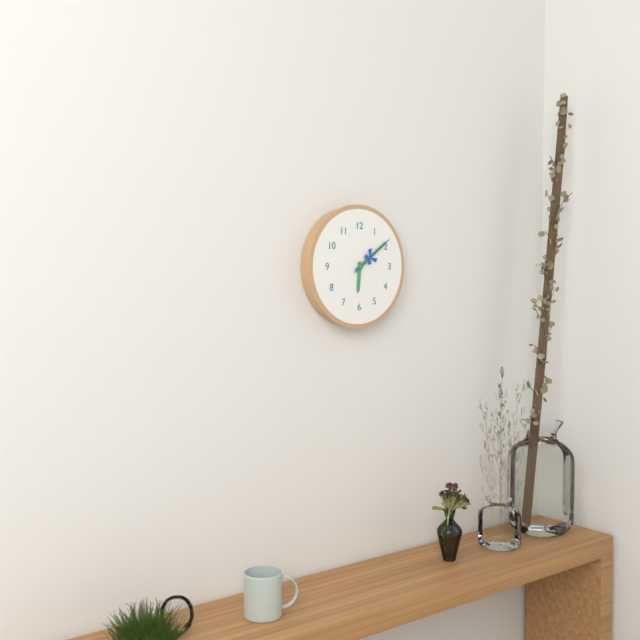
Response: 6:09:09
